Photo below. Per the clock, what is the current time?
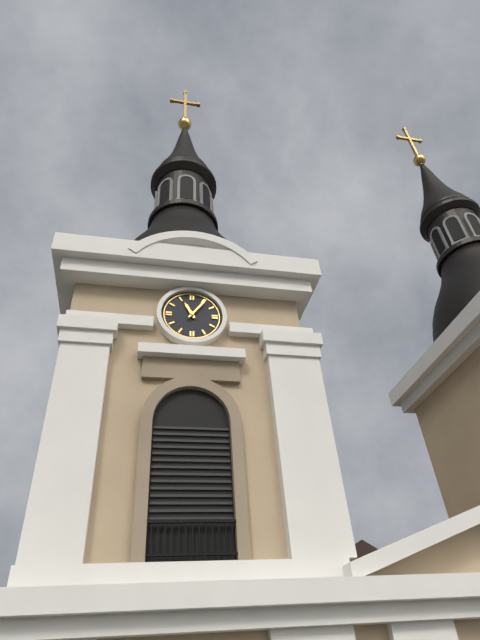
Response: 11:06
